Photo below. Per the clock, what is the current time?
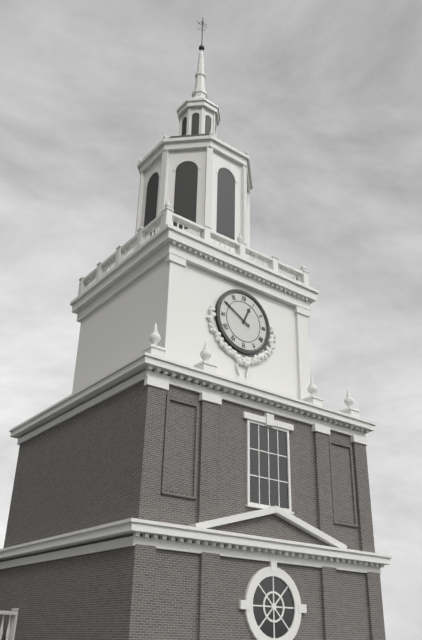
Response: 12:50
